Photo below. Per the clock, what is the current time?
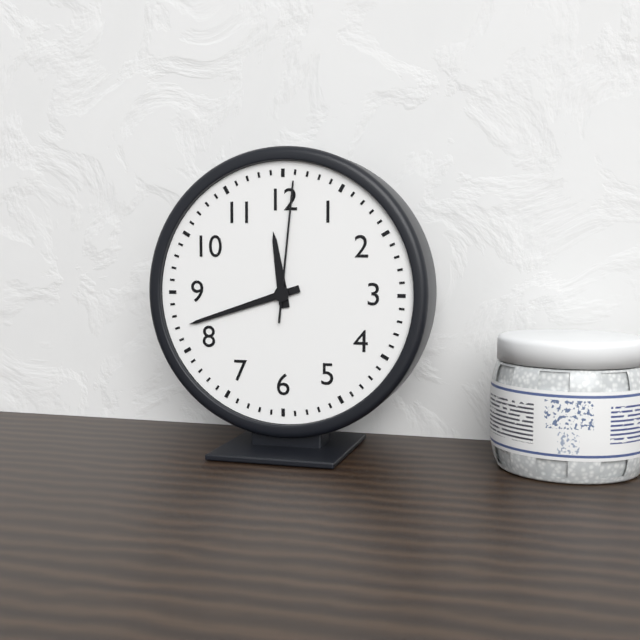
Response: 11:42:01
